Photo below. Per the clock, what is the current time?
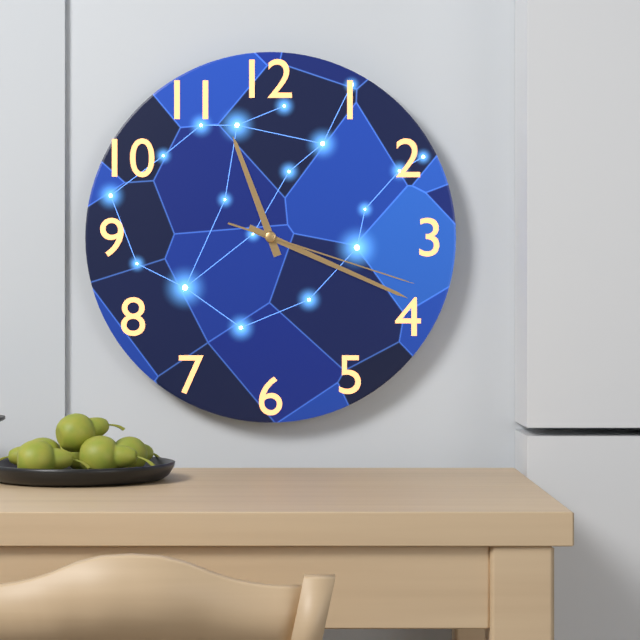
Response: 11:19:18
